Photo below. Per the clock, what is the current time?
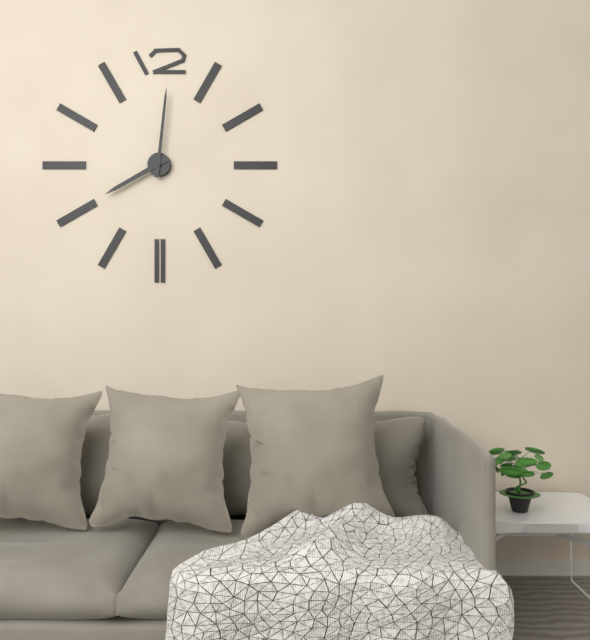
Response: 8:01
